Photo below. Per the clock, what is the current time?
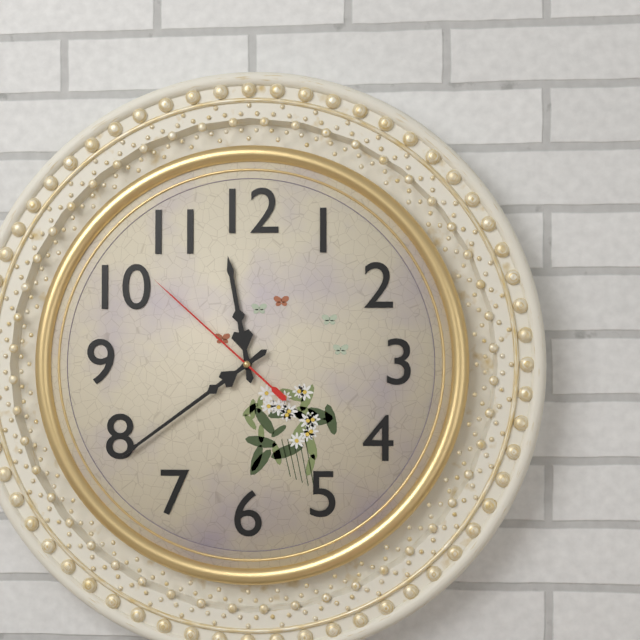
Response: 11:39:52
